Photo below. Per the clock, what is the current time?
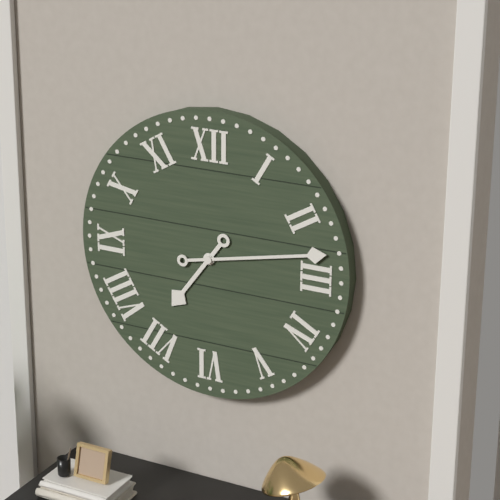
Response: 7:13
